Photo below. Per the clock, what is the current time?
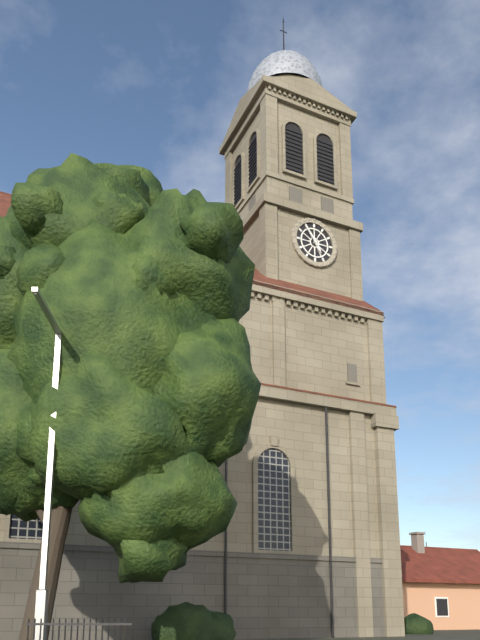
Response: 4:54
